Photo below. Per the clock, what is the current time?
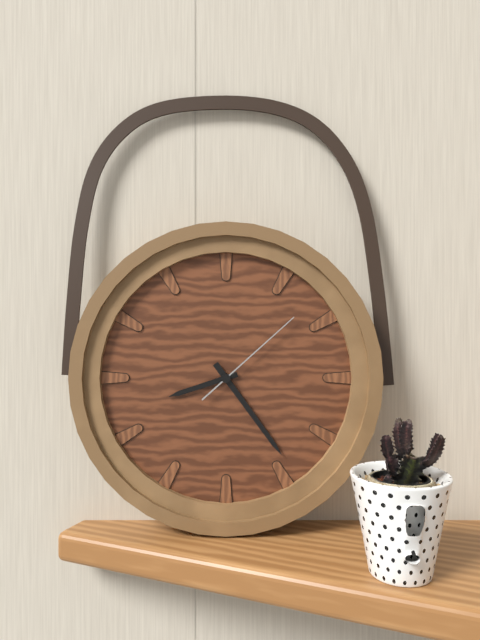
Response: 8:24:08
